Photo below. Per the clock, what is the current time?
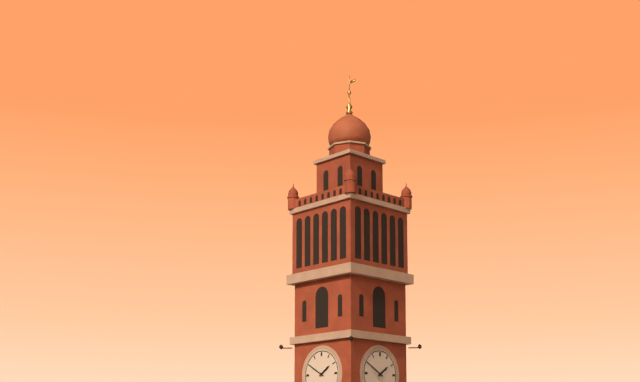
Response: 1:50
